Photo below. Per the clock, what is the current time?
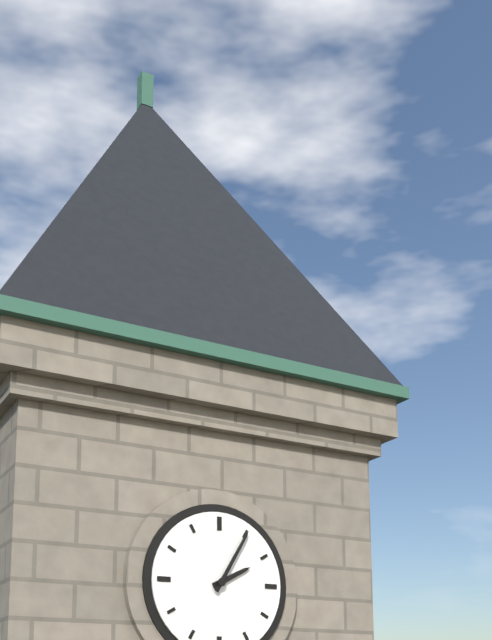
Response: 2:05
